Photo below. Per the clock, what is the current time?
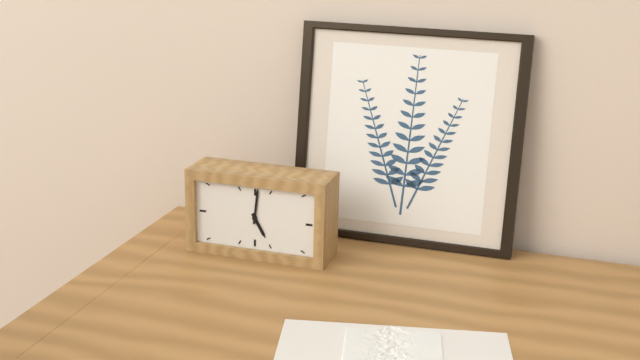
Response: 5:01
